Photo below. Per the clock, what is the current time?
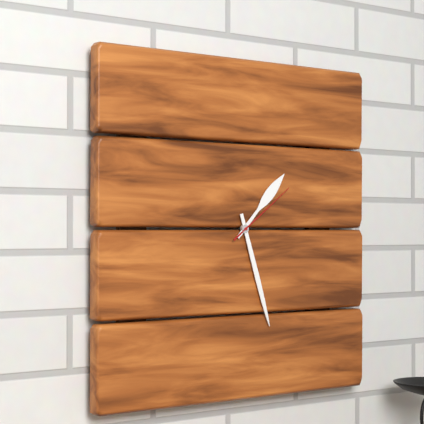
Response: 1:27:09
